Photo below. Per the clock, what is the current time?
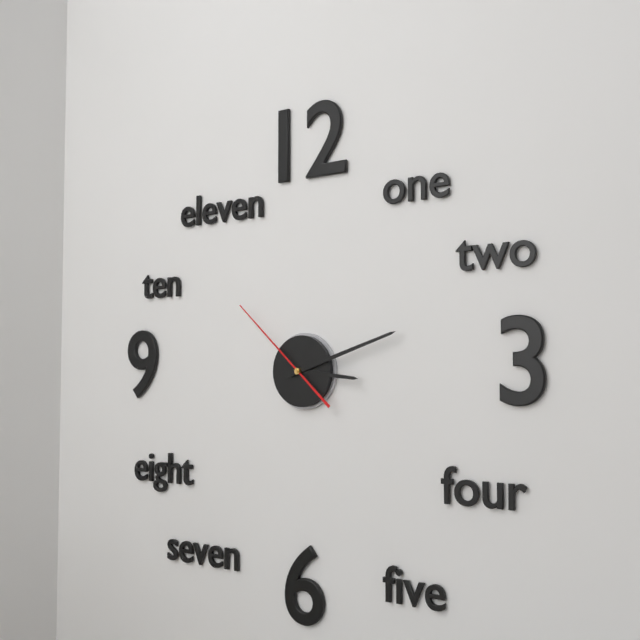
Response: 3:12:52
